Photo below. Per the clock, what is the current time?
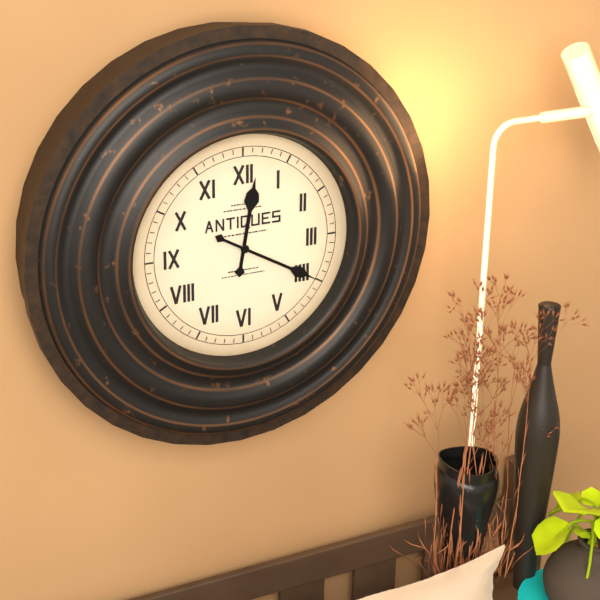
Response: 12:20
